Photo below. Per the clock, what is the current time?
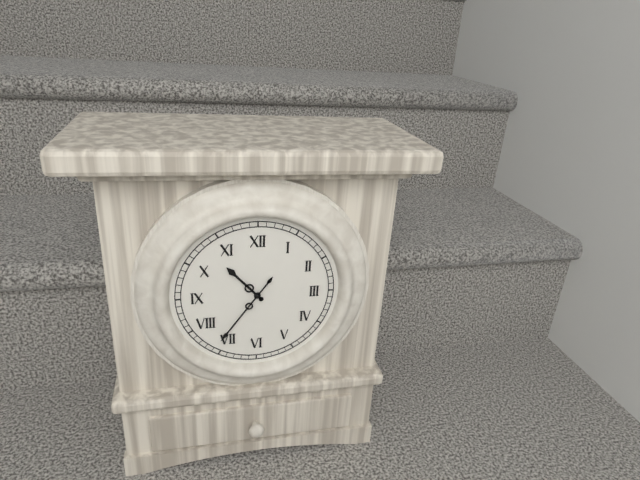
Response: 10:36
